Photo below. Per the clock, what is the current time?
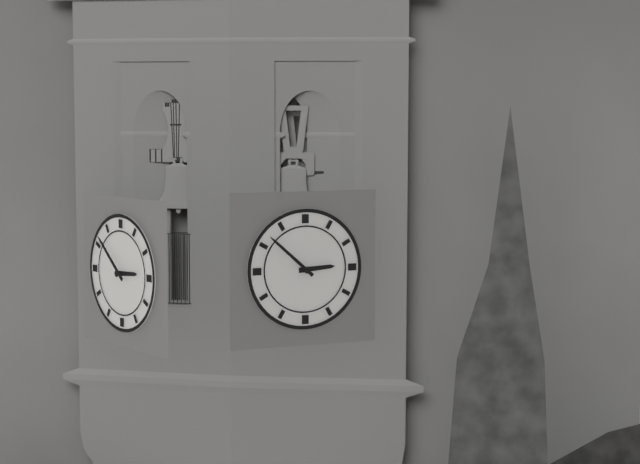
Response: 2:52
